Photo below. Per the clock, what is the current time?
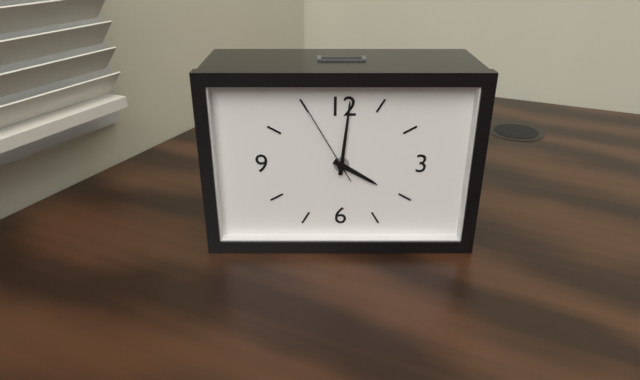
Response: 4:01:55
